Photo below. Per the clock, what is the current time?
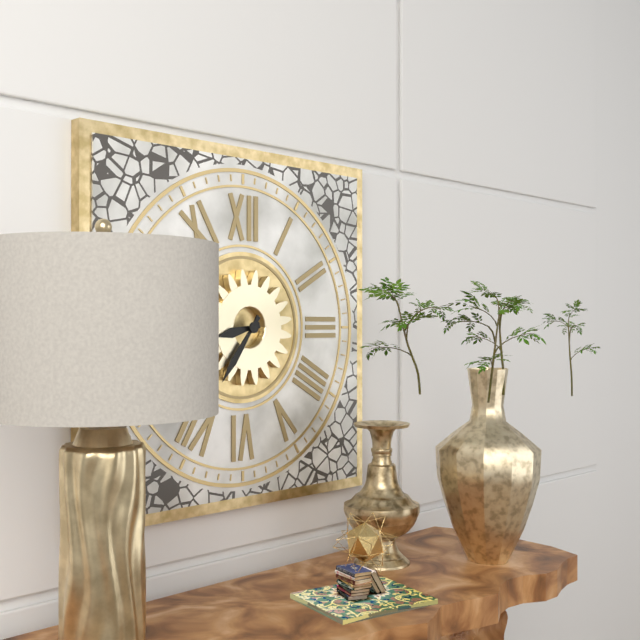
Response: 8:36
